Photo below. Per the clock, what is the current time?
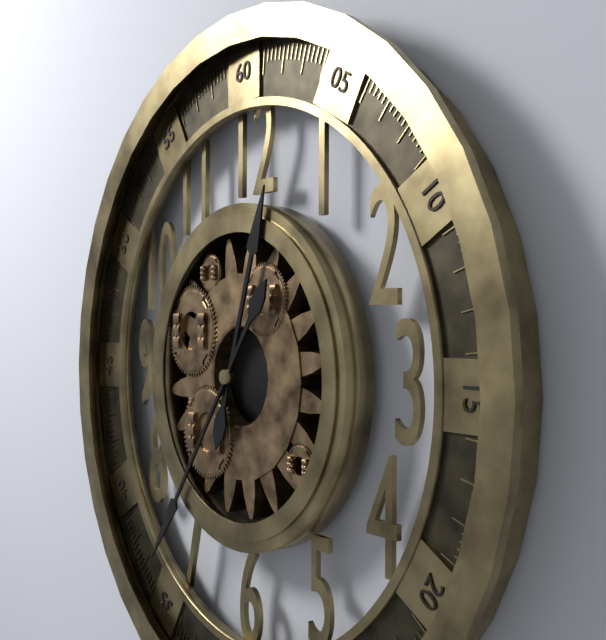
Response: 12:36
